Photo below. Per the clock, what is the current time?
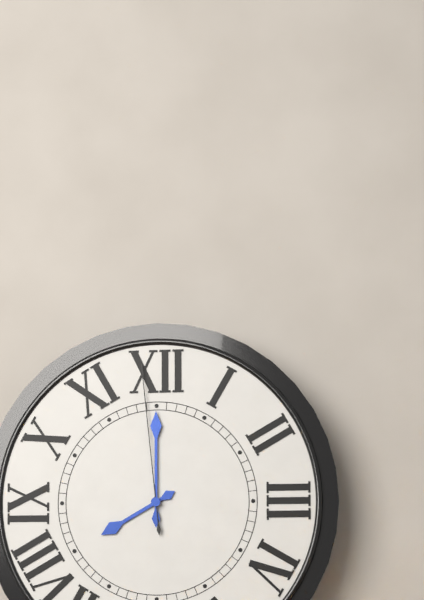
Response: 8:00:59
